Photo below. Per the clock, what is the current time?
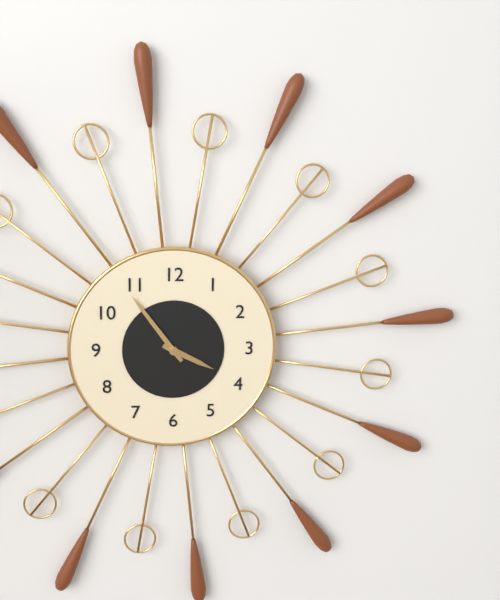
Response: 3:54
